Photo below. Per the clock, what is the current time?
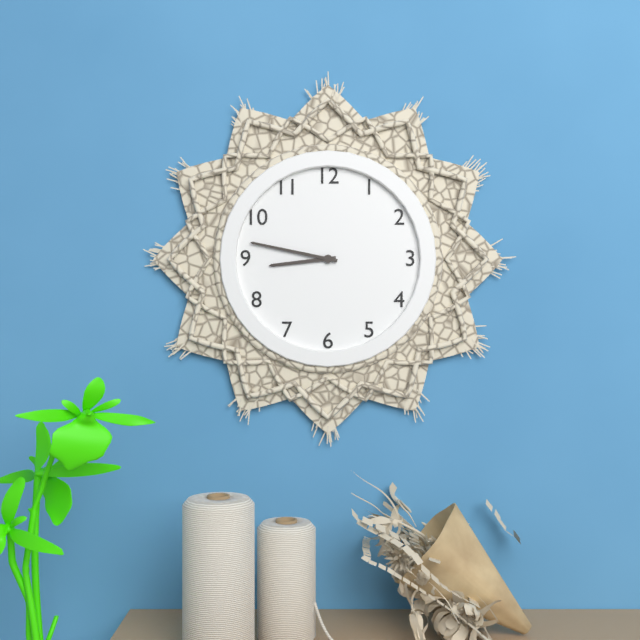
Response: 8:47
